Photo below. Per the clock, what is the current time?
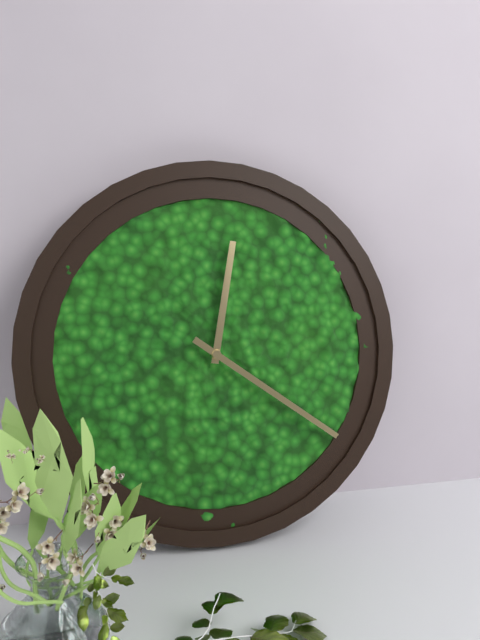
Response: 12:21
